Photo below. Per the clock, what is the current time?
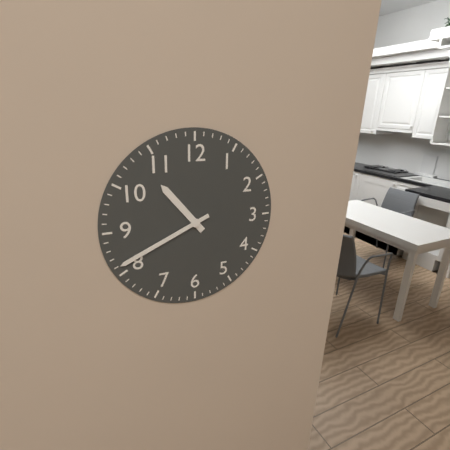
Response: 10:41
